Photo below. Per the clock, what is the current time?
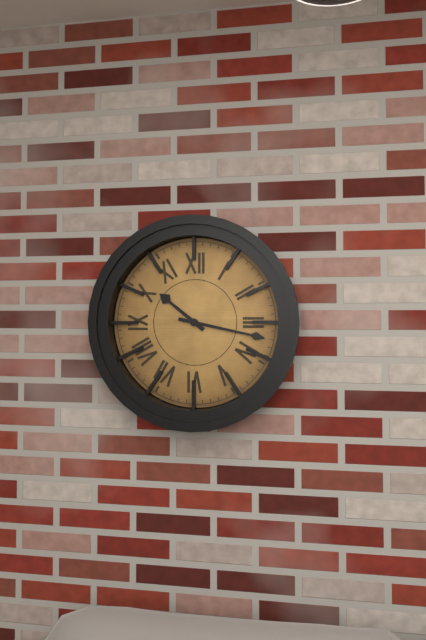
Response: 10:17
